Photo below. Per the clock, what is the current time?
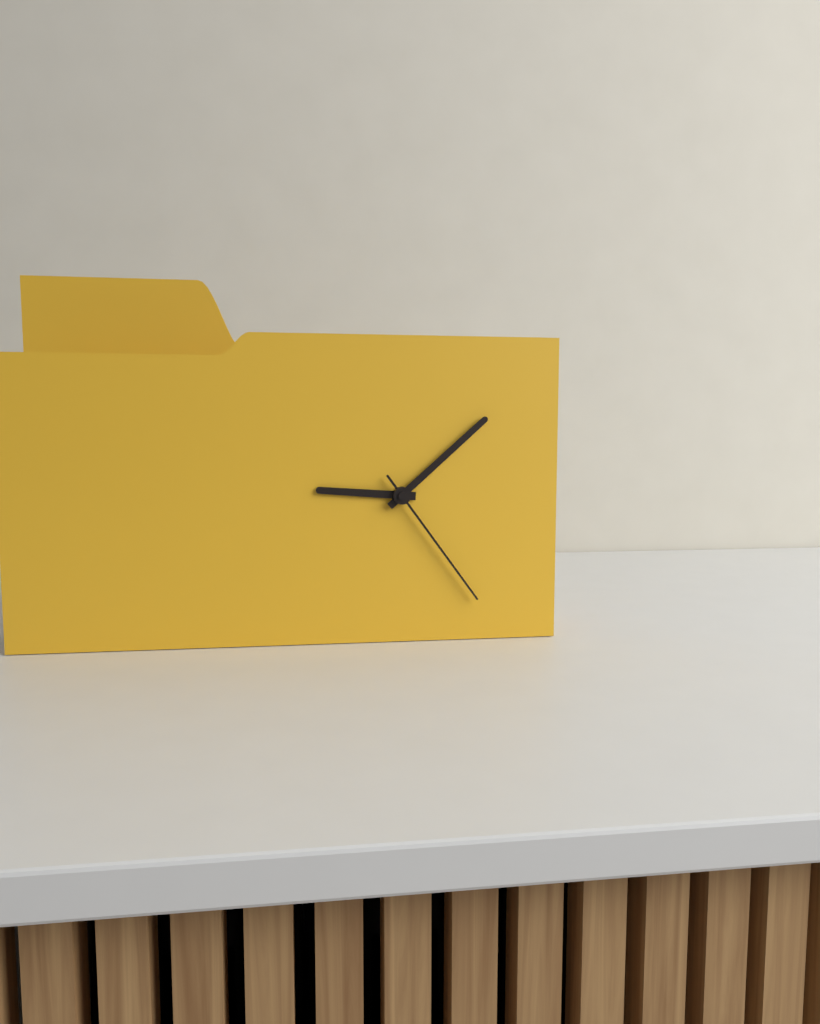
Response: 9:08:24
